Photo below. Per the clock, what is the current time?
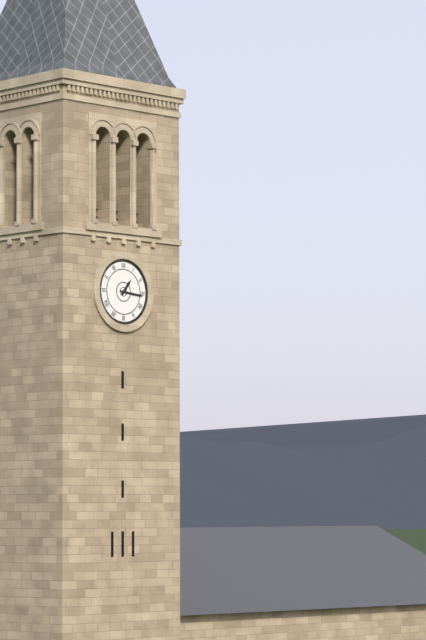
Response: 1:16
